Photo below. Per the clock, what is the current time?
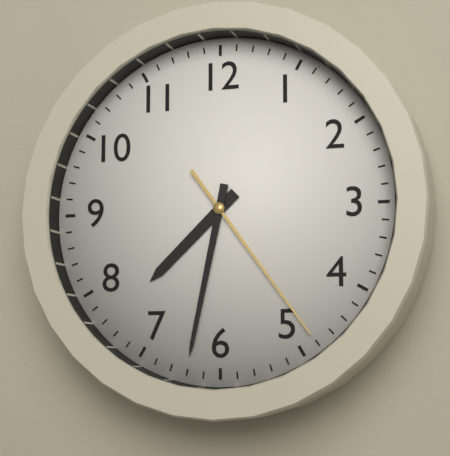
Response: 7:32:24
